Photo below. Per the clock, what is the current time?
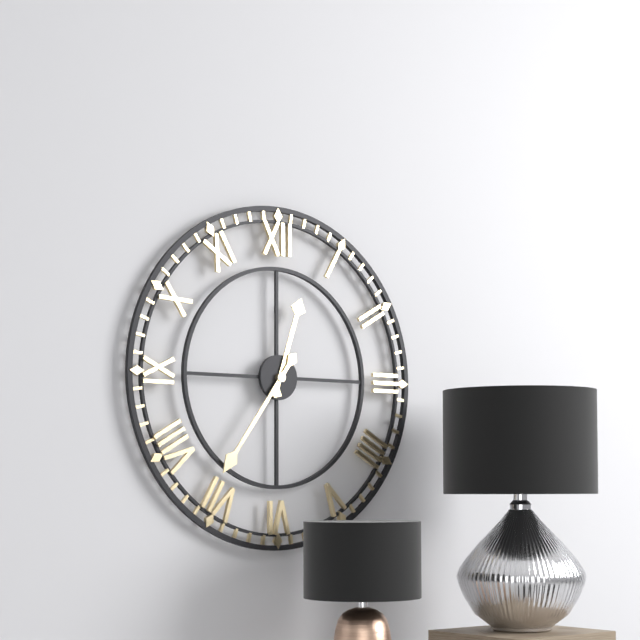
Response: 12:36
